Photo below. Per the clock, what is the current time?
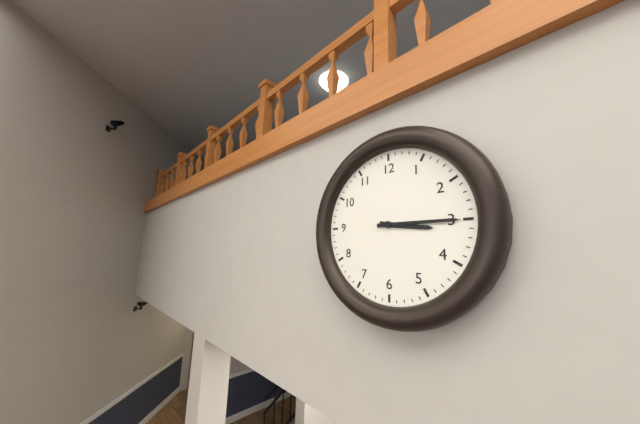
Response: 3:15
